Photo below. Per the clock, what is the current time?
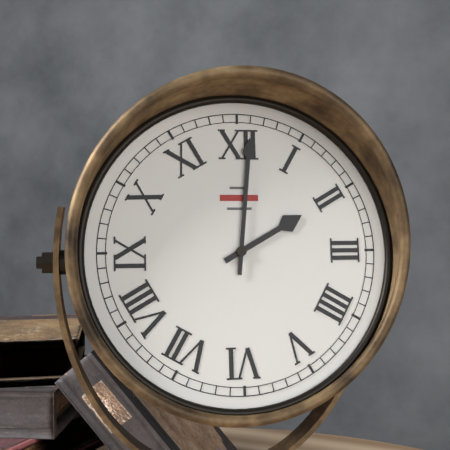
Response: 2:01
